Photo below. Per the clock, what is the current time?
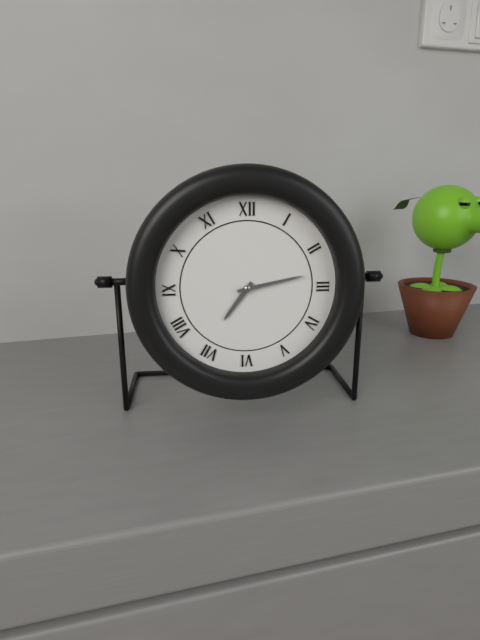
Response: 7:13
